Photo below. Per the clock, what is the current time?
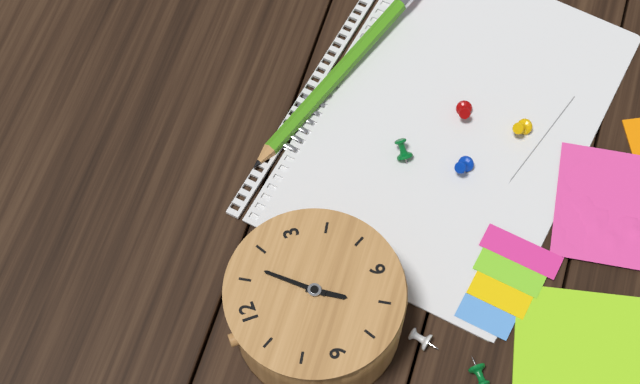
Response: 7:07
